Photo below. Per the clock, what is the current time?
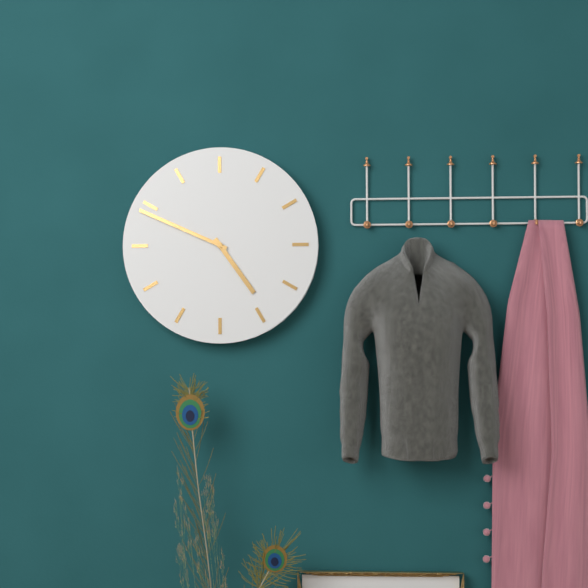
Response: 4:49
